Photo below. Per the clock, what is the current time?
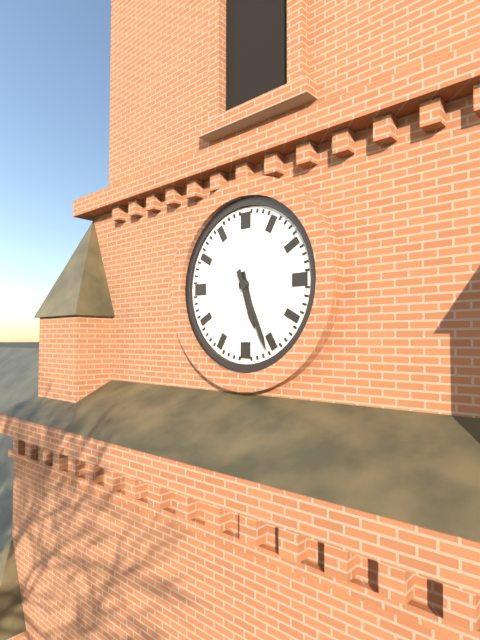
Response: 5:26
